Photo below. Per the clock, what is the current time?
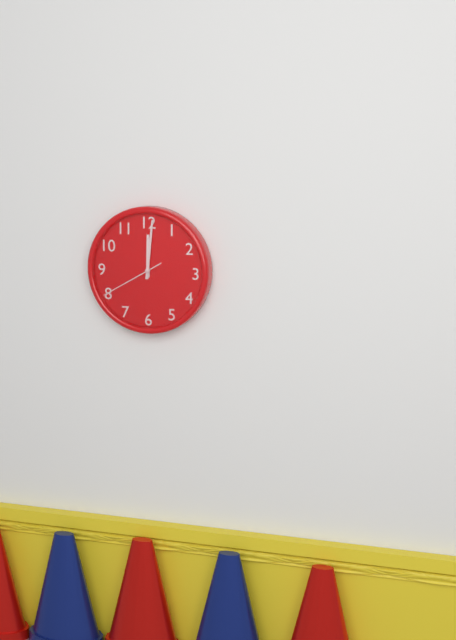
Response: 12:01:40
